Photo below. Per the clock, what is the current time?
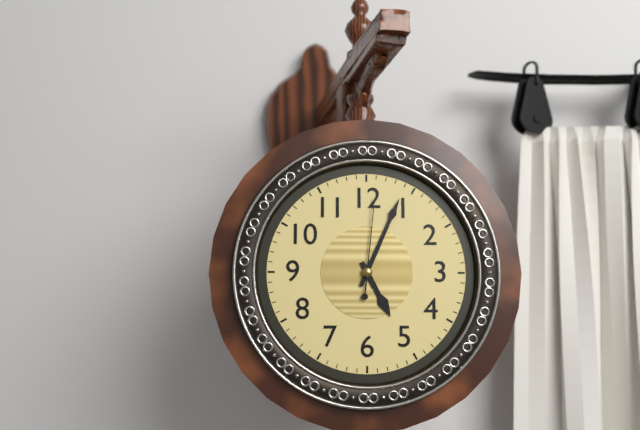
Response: 5:04:01
